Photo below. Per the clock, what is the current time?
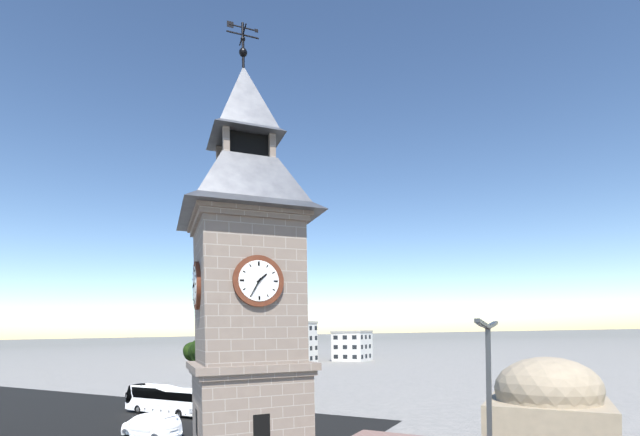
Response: 1:35
